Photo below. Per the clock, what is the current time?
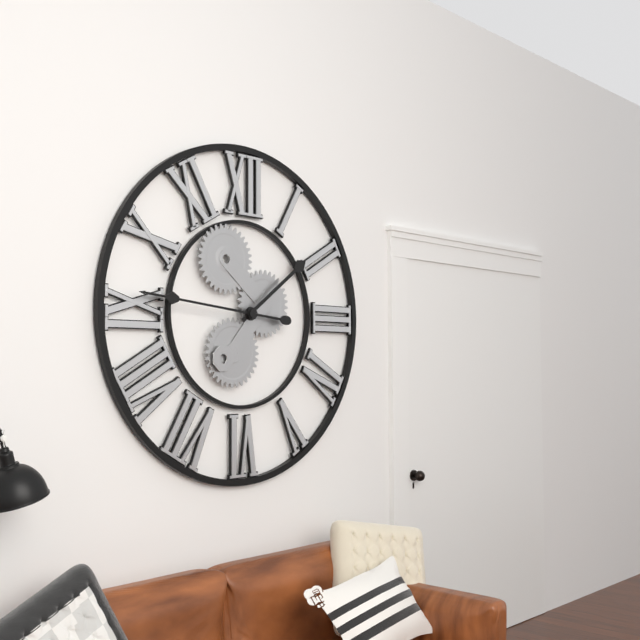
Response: 1:46
